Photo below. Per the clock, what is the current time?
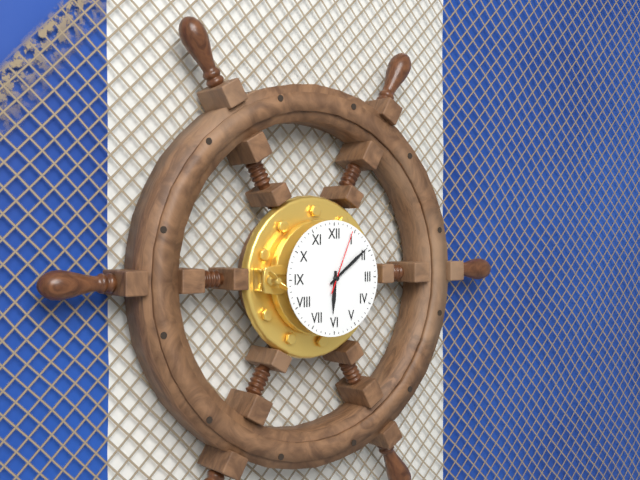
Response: 6:09:04
